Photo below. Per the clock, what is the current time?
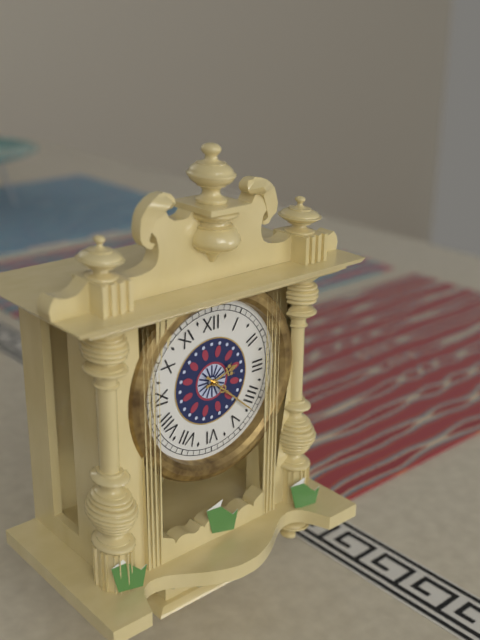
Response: 2:22
